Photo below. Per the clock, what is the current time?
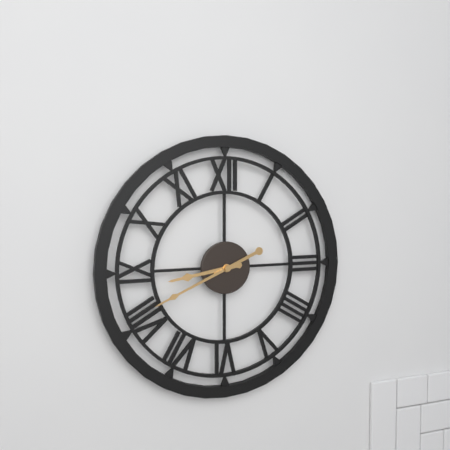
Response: 8:41
